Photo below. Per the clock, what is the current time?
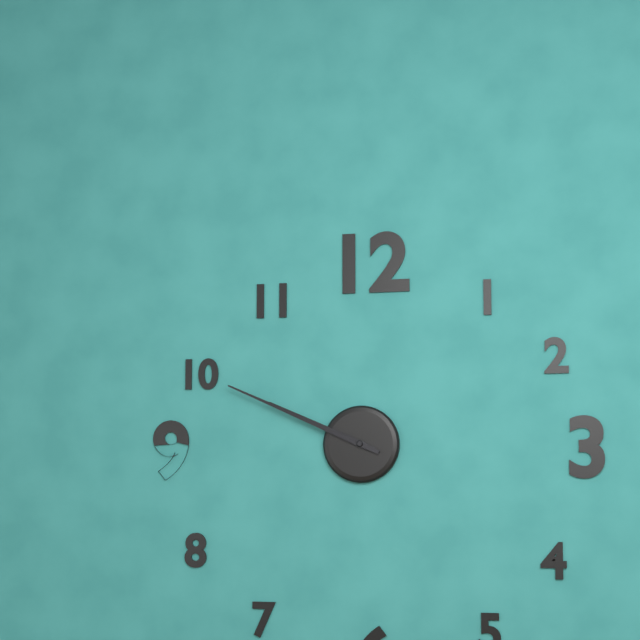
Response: 9:49
